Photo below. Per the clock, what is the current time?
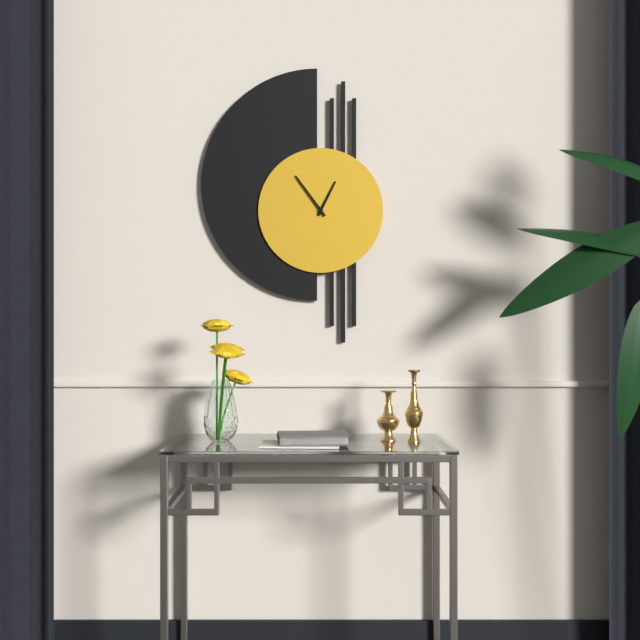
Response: 12:54
